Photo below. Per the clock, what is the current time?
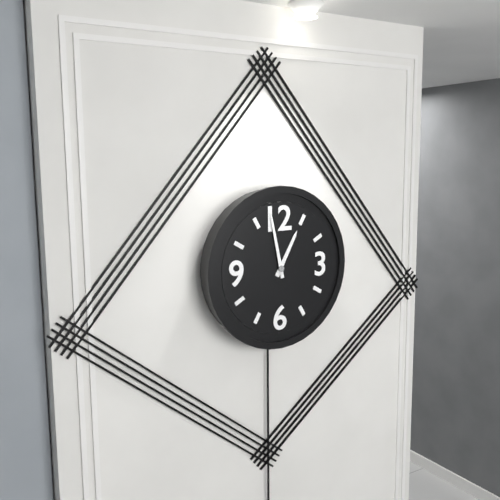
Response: 12:58
